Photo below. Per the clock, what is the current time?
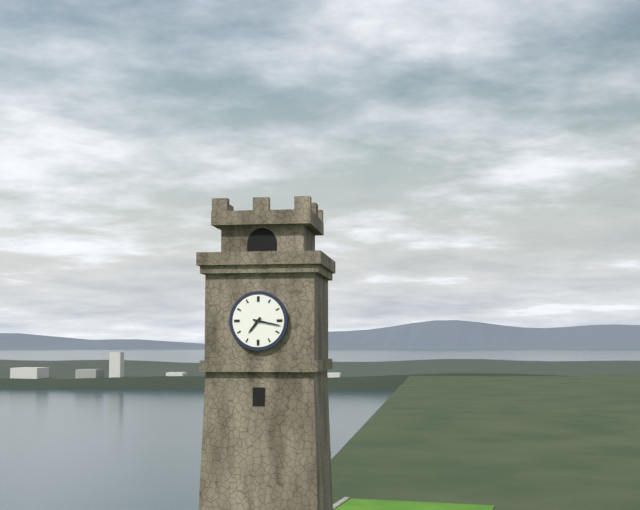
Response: 7:17
